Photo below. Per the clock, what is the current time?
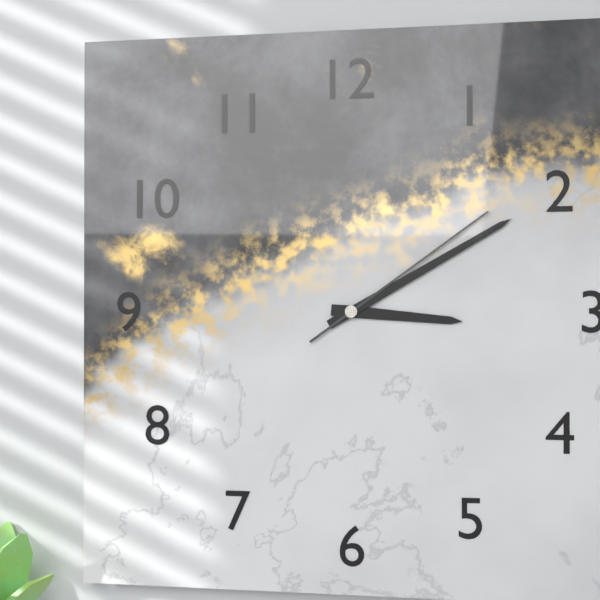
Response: 3:10:09
